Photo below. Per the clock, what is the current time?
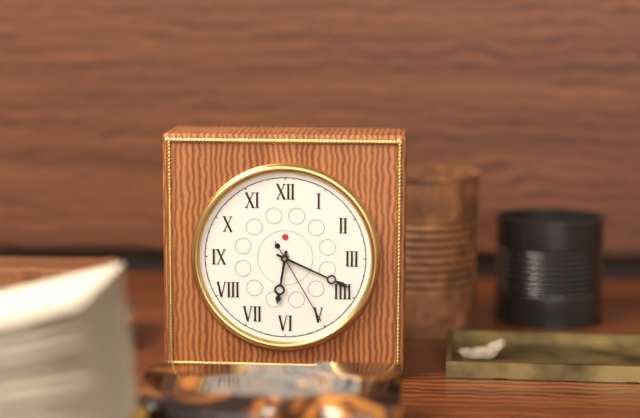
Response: 6:19:25
